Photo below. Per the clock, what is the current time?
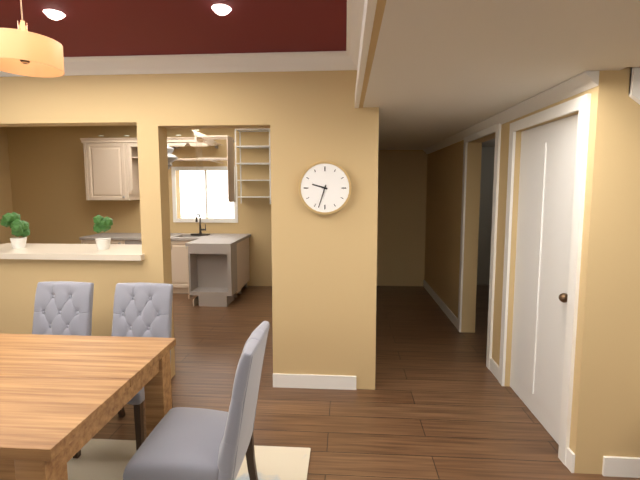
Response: 9:33
